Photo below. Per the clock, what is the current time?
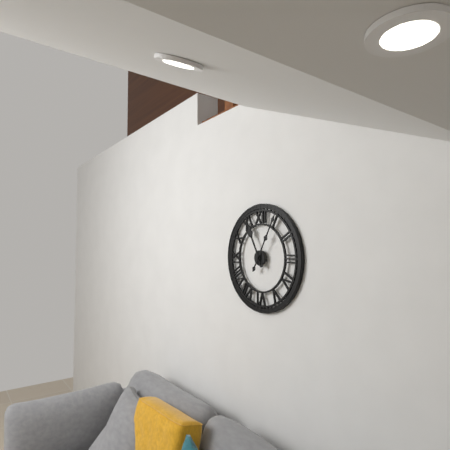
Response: 11:05
